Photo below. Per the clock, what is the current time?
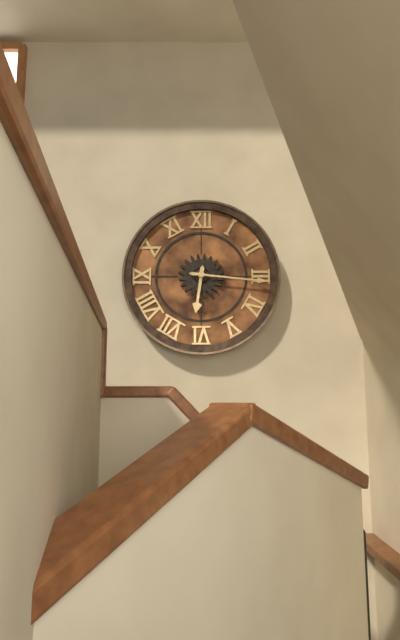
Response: 6:16
